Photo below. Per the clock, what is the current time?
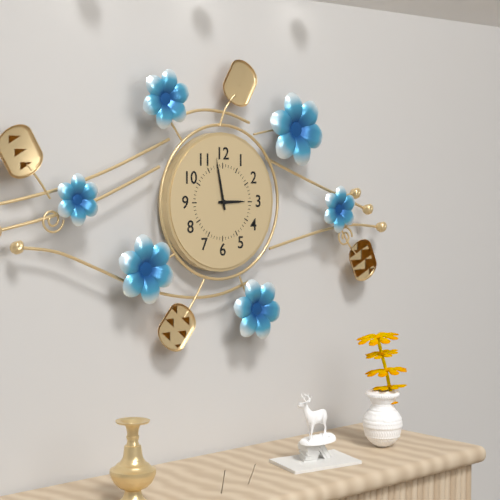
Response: 2:58
